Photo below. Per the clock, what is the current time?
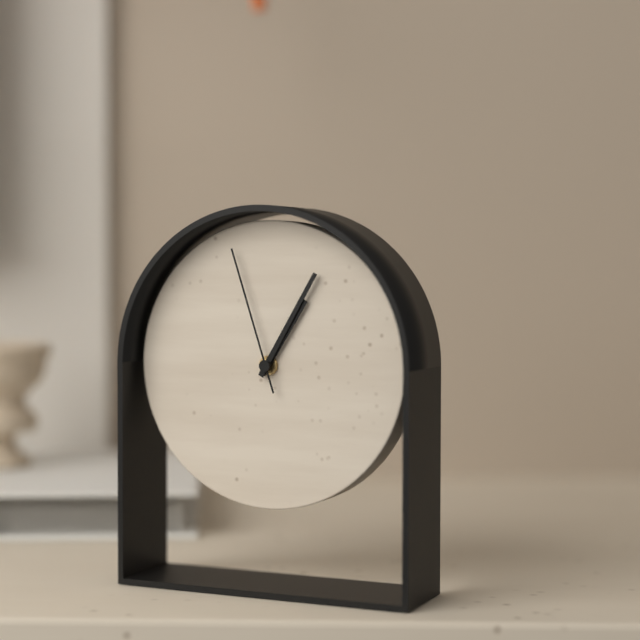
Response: 1:05:57
